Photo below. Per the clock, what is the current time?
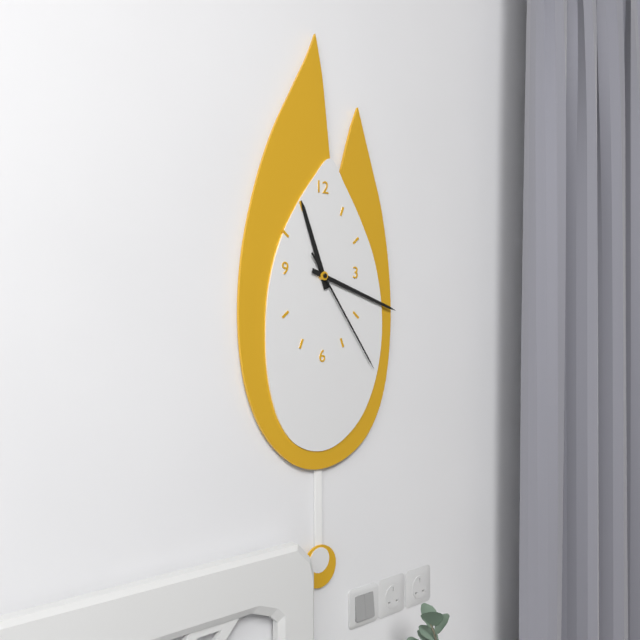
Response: 11:18:24
